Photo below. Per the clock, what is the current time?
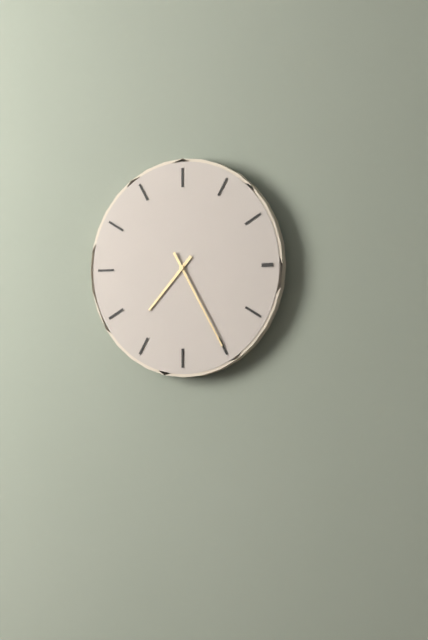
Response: 7:25
